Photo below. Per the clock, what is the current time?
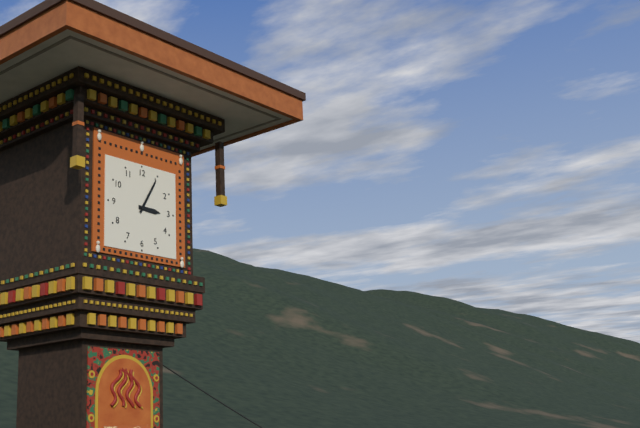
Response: 3:05
